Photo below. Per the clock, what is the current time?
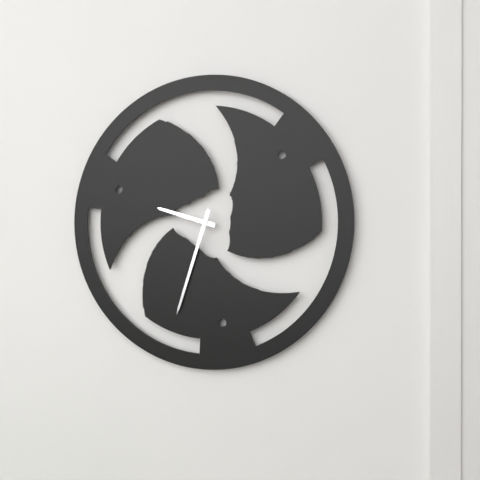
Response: 9:33
